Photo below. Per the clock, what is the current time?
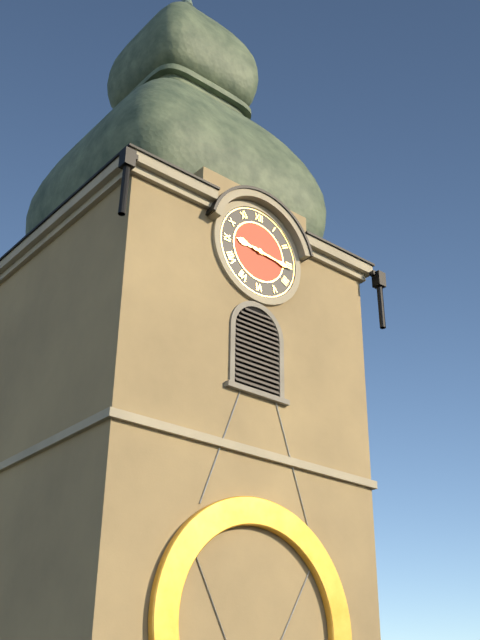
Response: 9:16
